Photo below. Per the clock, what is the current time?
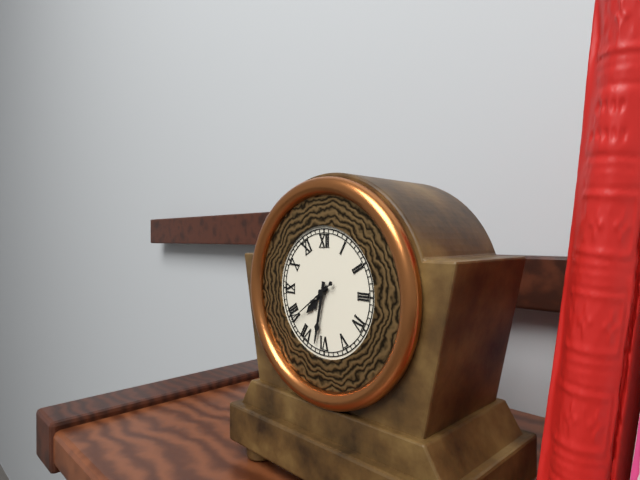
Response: 7:32:39
